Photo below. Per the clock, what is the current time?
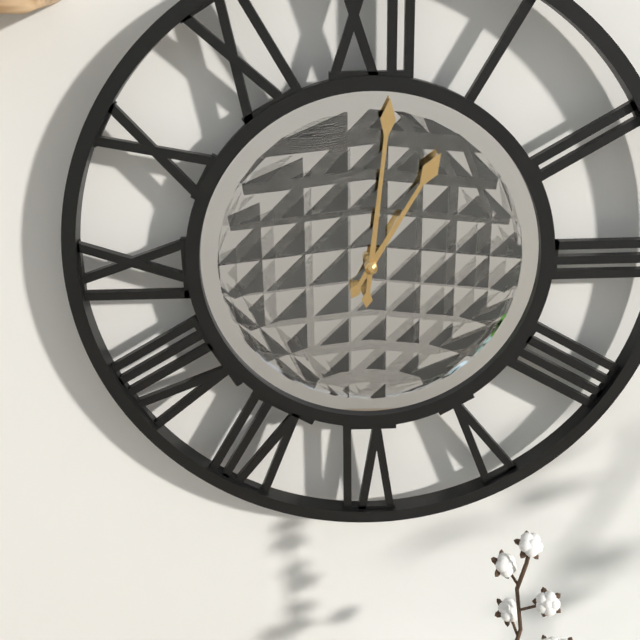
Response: 1:01
